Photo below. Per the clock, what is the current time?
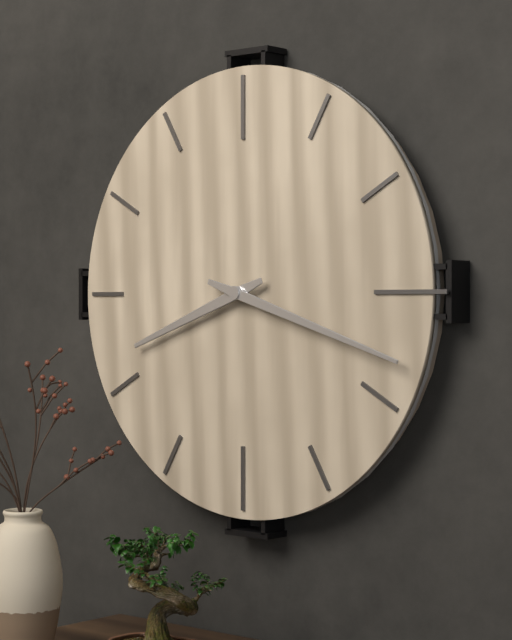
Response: 8:18
